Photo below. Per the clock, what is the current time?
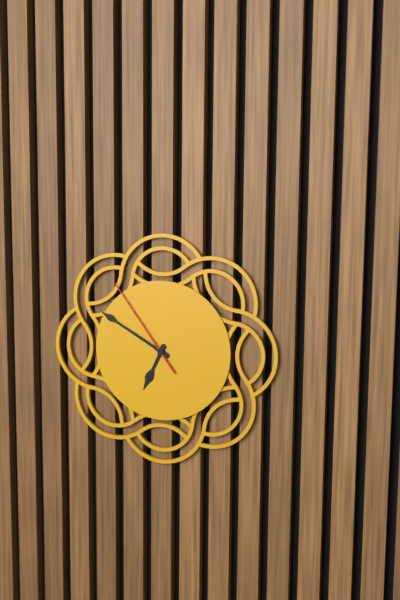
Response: 6:50:54
